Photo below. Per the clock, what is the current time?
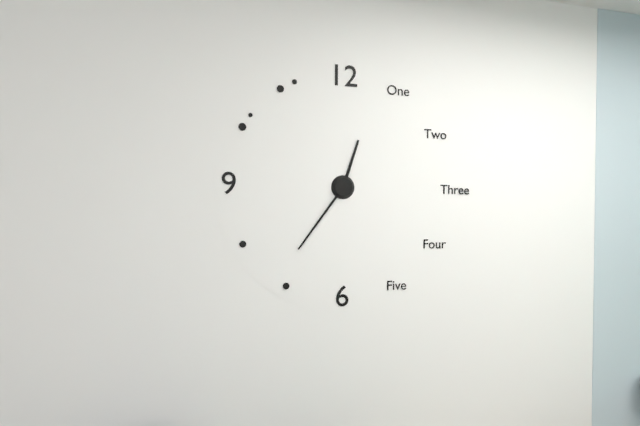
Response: 12:36
